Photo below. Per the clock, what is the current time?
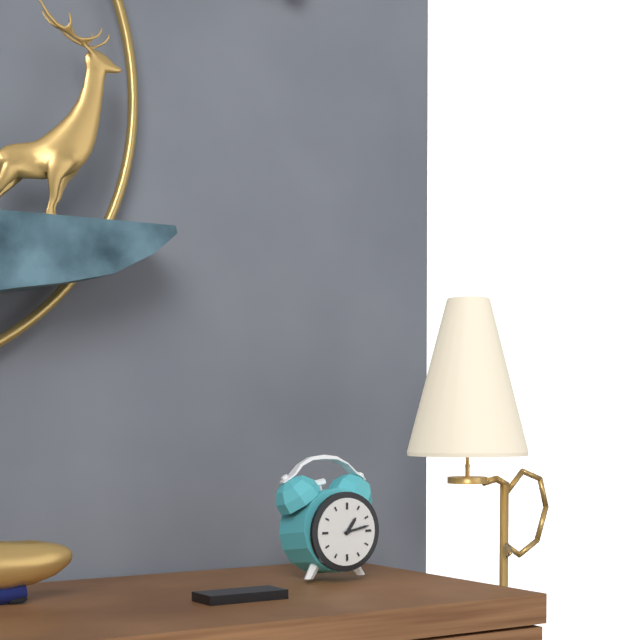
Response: 1:13
